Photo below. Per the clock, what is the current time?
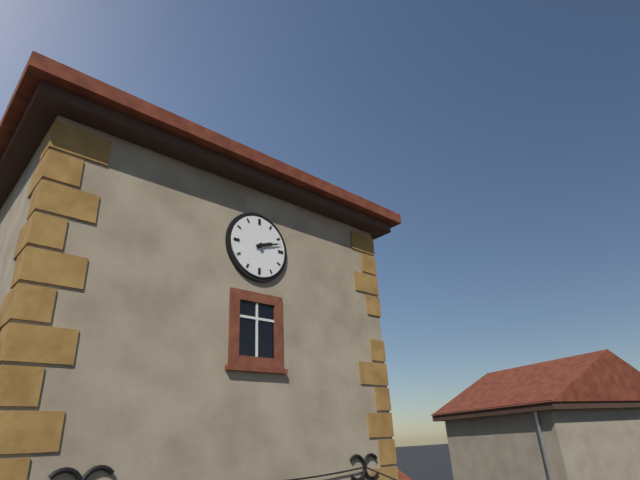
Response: 2:12
